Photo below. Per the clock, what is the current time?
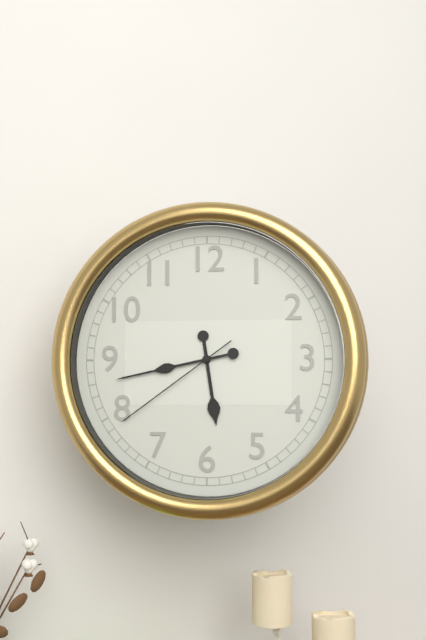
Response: 5:43:39
